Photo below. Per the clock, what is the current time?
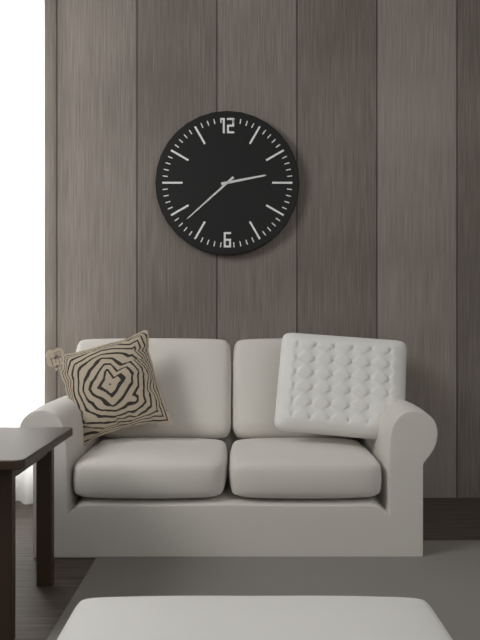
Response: 2:38
